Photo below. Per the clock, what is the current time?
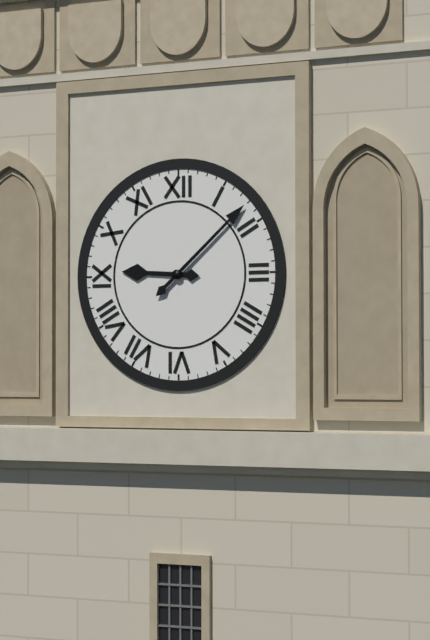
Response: 9:08
